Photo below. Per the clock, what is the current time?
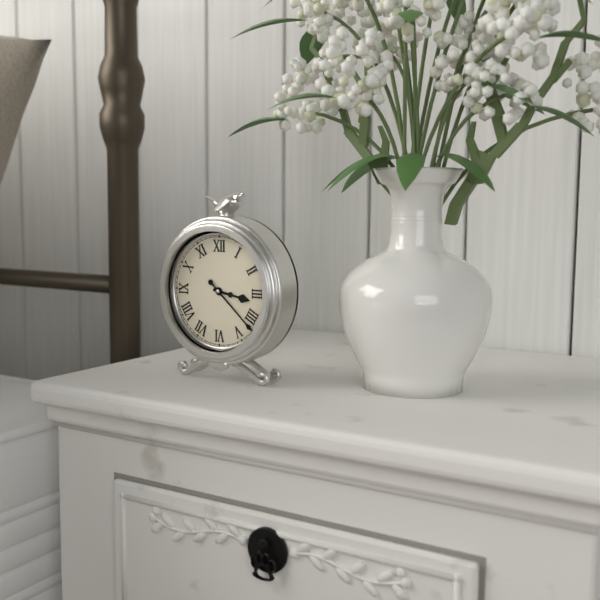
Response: 3:22
